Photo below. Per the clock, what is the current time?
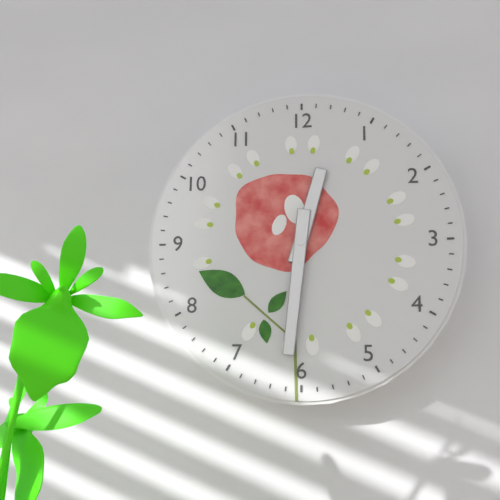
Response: 12:31
